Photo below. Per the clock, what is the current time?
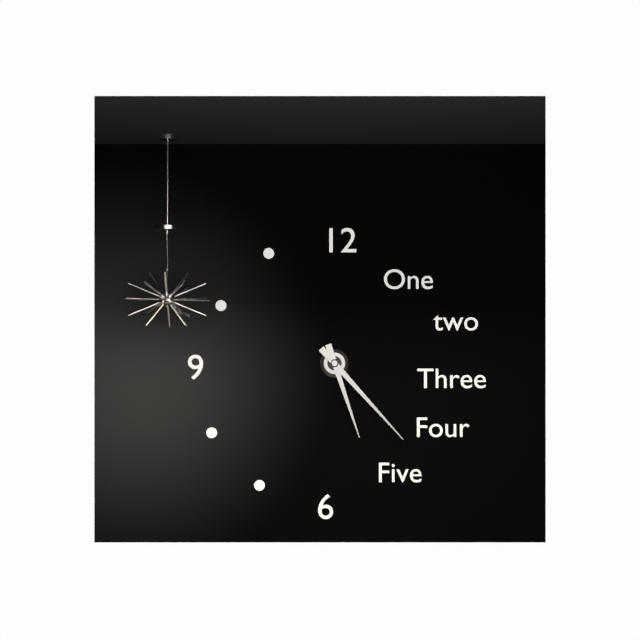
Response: 5:23
